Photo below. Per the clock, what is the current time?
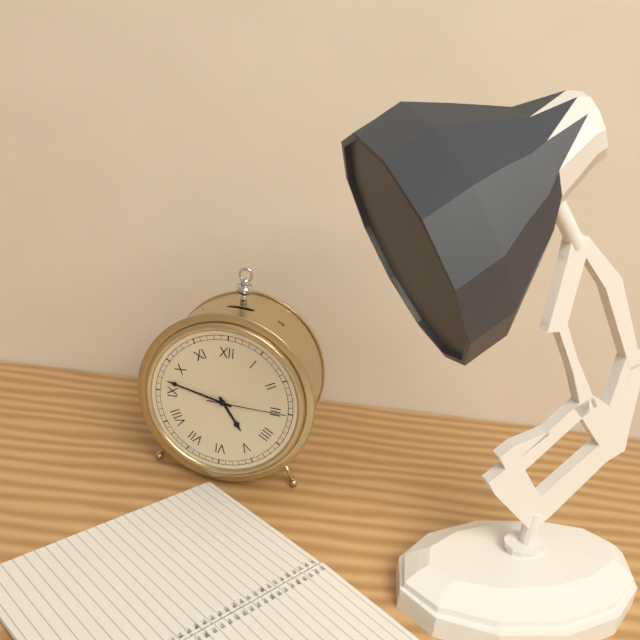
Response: 4:47:15
